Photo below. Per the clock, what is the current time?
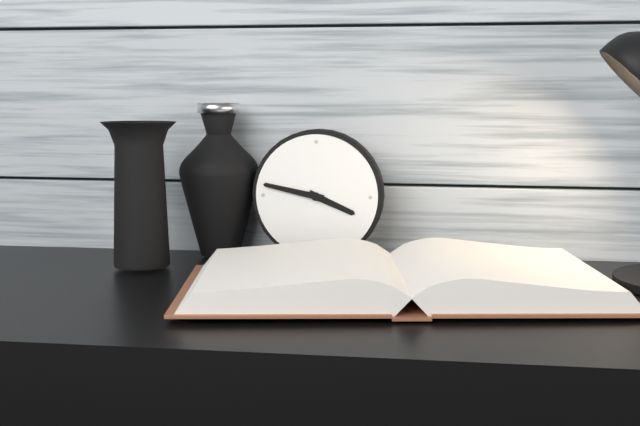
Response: 3:47
